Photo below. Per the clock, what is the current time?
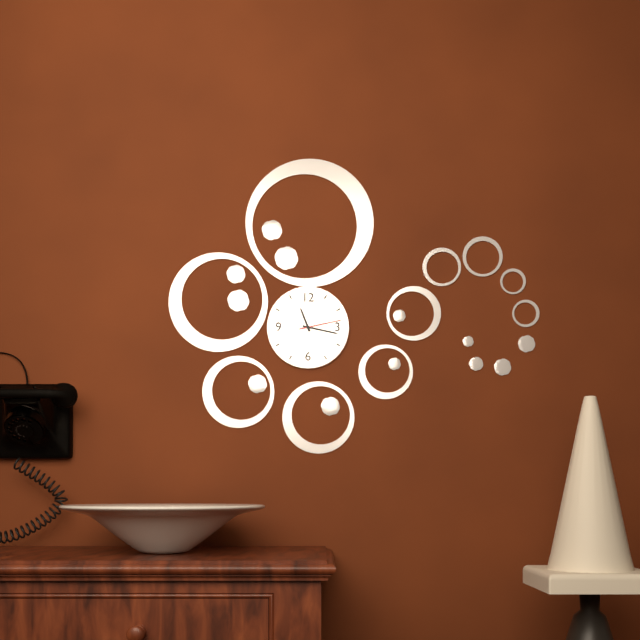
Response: 11:17
